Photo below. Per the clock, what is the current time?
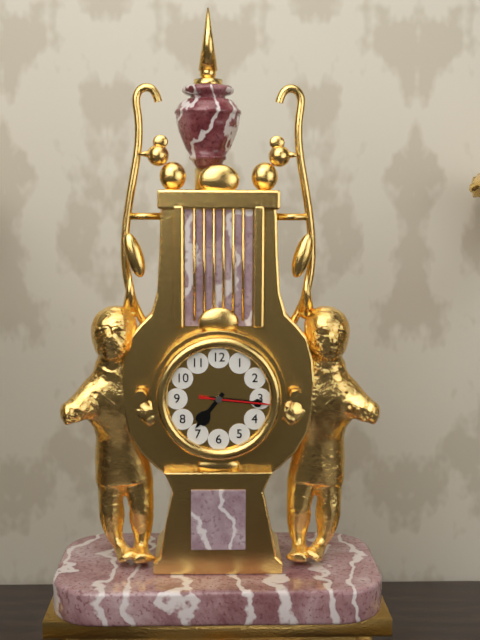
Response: 7:16:16
